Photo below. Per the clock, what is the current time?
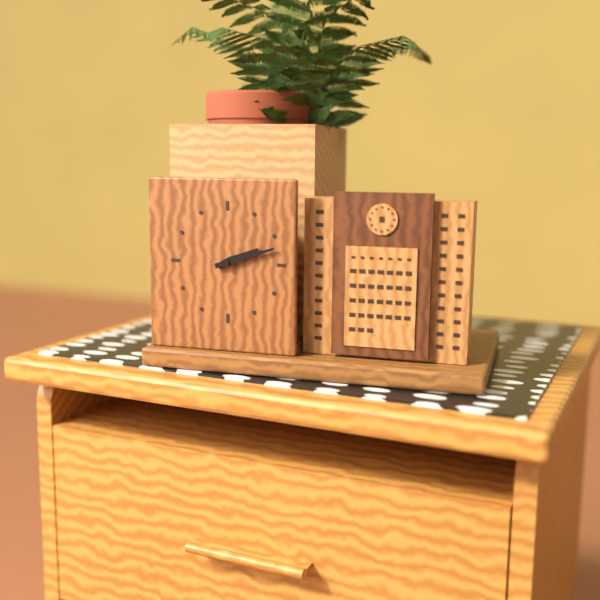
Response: 2:12
